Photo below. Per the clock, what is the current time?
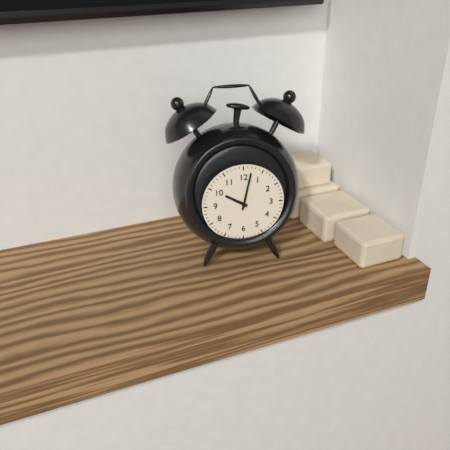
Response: 10:02
